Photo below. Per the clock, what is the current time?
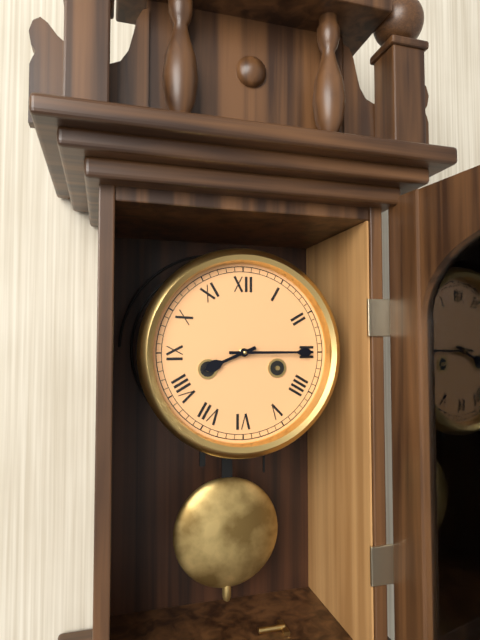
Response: 8:15
